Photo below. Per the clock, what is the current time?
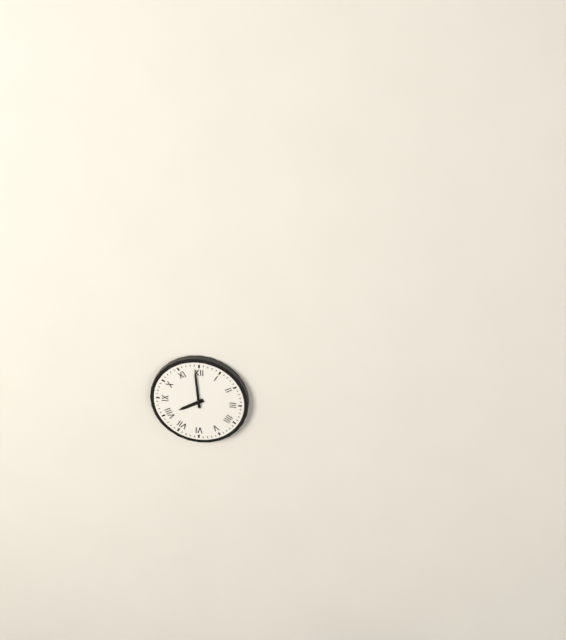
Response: 7:59
